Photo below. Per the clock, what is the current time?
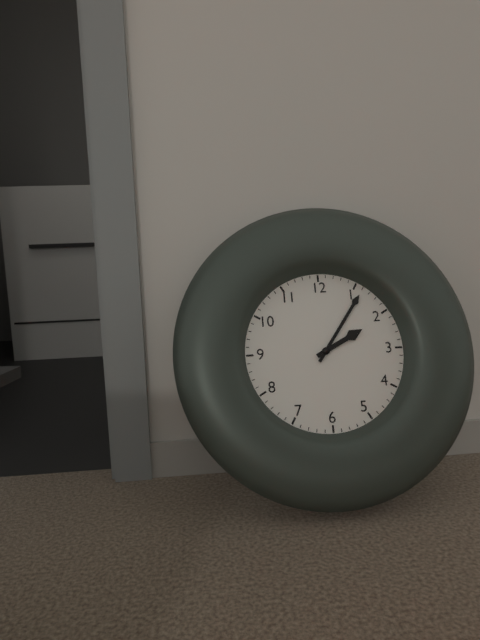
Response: 2:06
